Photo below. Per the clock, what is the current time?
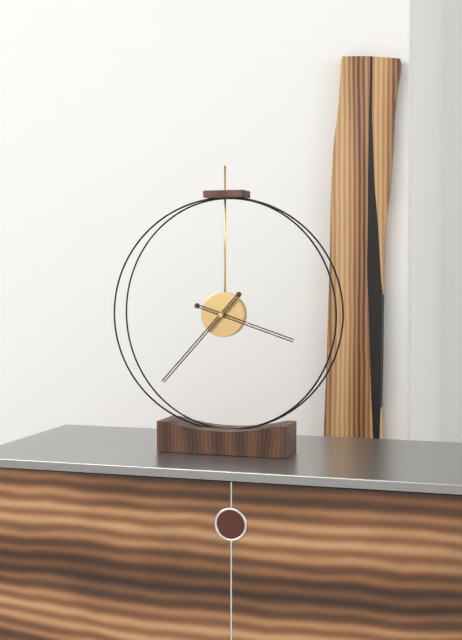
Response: 3:37
